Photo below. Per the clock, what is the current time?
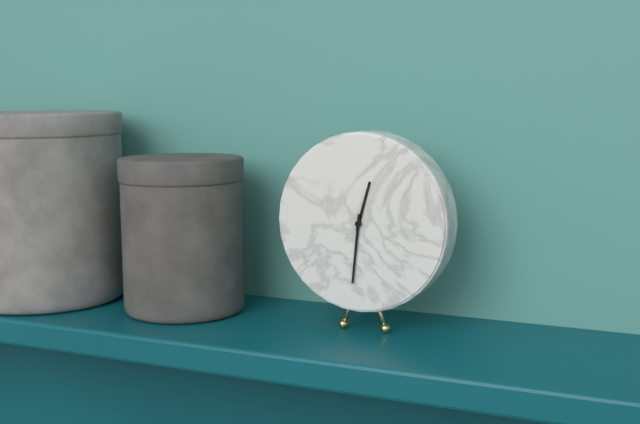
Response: 12:31
